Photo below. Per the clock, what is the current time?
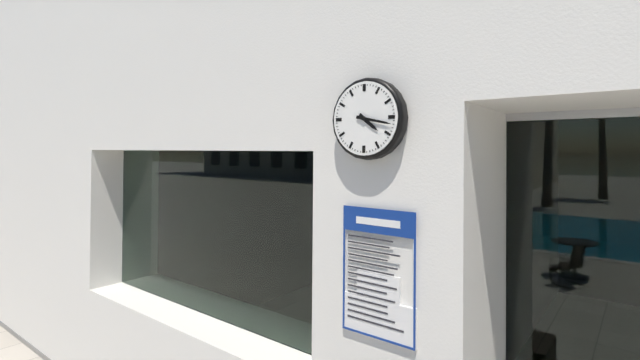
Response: 4:17
